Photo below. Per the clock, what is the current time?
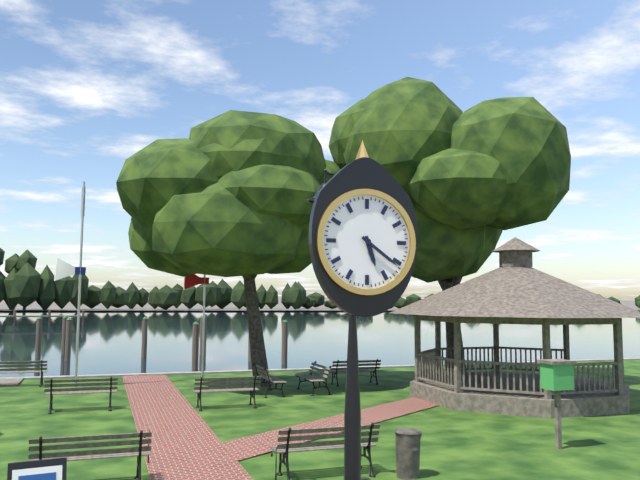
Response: 5:21
